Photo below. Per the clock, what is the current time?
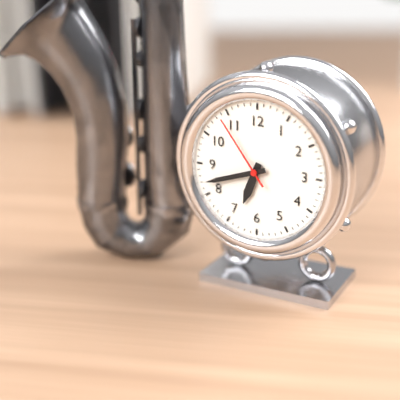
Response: 6:42:54
